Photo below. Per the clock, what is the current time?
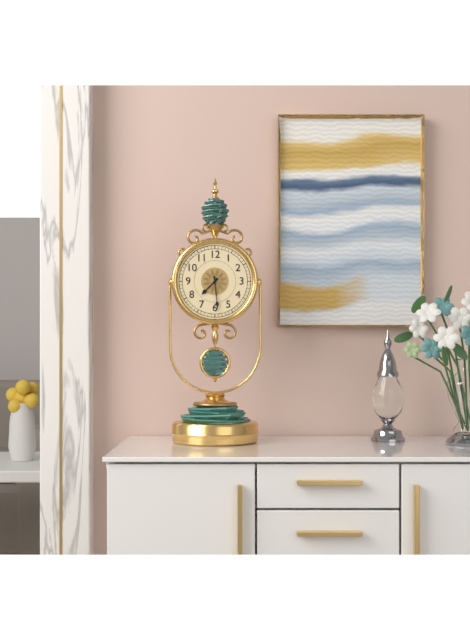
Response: 7:29
